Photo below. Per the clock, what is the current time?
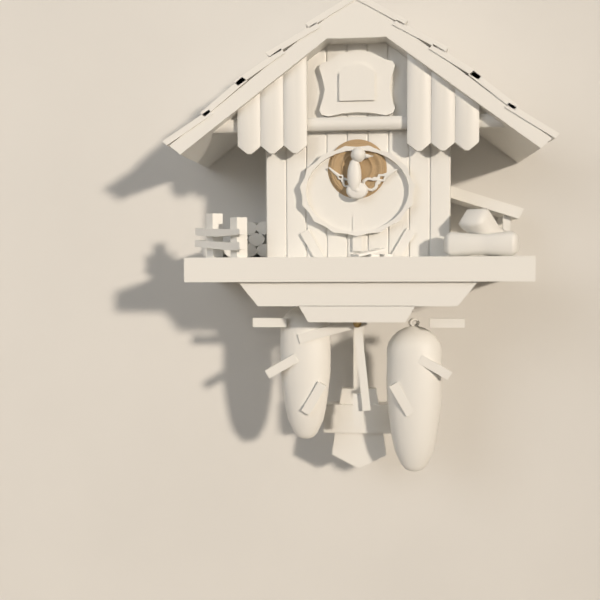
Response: 8:29
